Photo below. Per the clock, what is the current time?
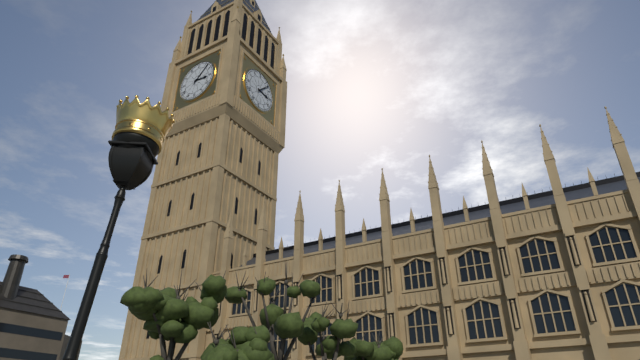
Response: 3:07
